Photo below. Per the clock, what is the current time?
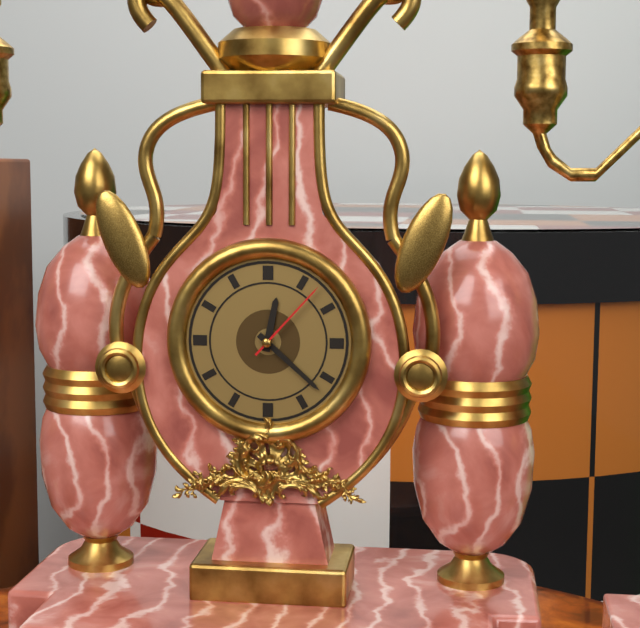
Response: 12:22:07
